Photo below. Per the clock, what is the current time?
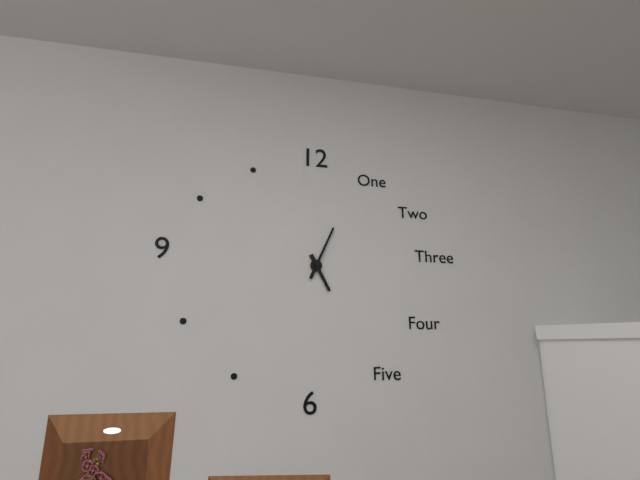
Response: 5:04
